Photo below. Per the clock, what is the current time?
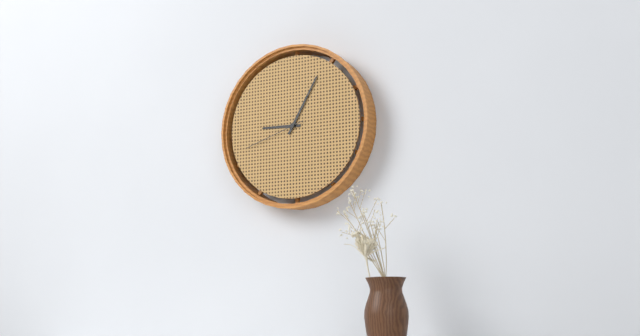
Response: 9:05:42
